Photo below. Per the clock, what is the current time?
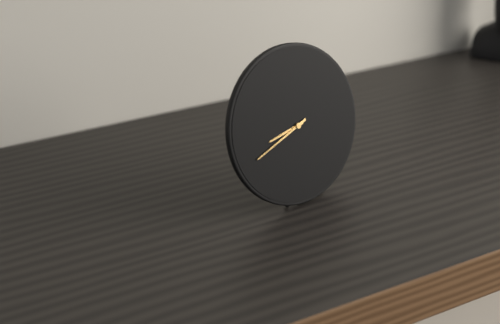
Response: 8:42
